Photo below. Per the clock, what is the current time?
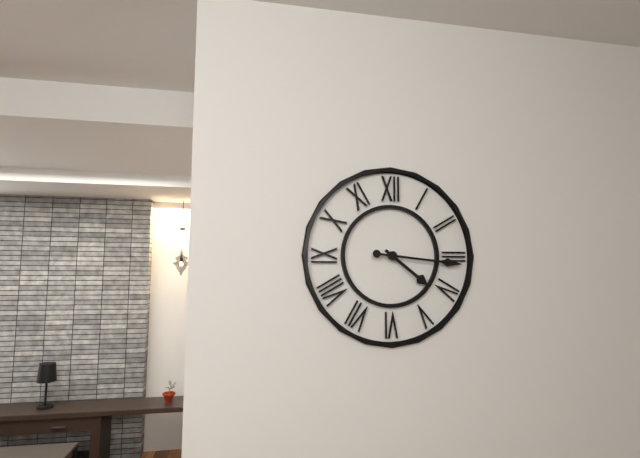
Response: 4:16
